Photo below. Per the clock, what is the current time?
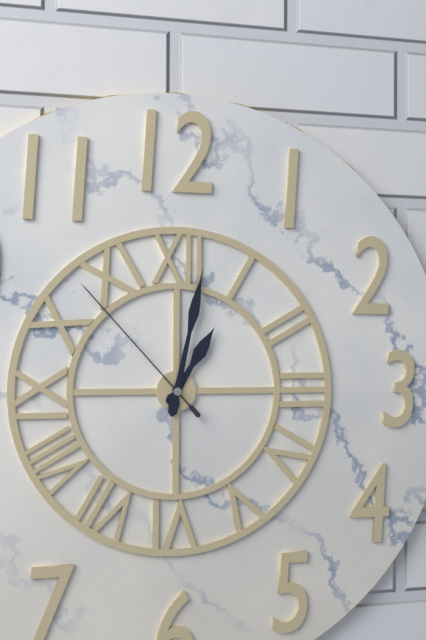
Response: 1:02:53
